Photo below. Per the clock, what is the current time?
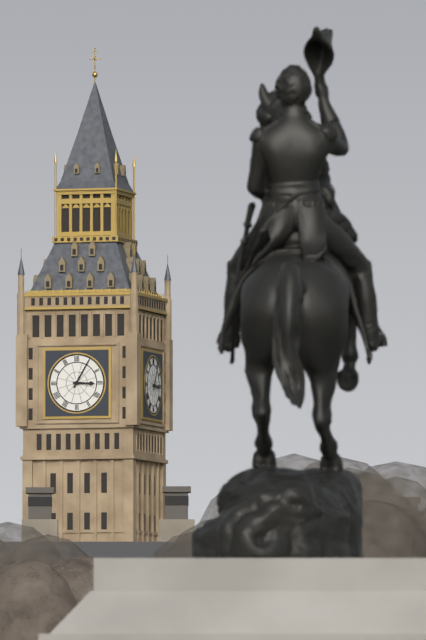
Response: 3:05
